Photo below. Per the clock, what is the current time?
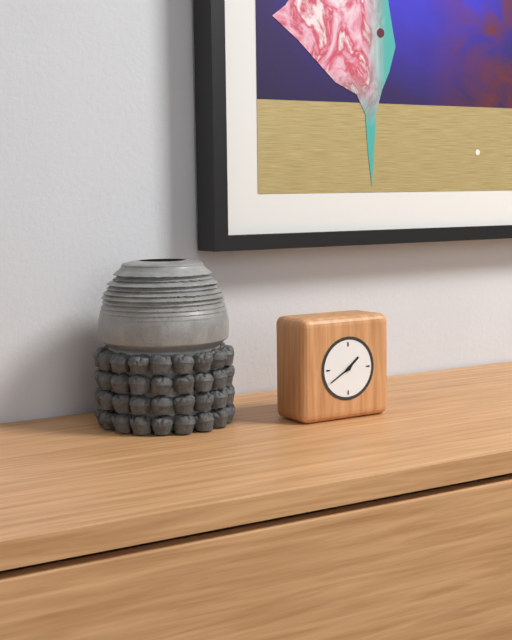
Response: 1:40
